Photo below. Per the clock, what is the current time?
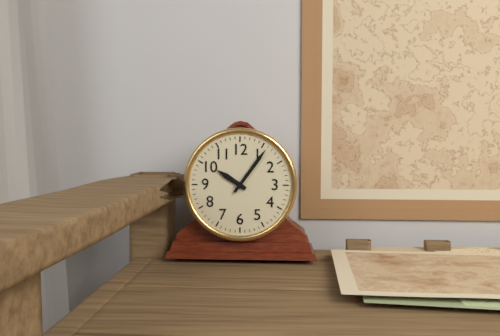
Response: 10:06
